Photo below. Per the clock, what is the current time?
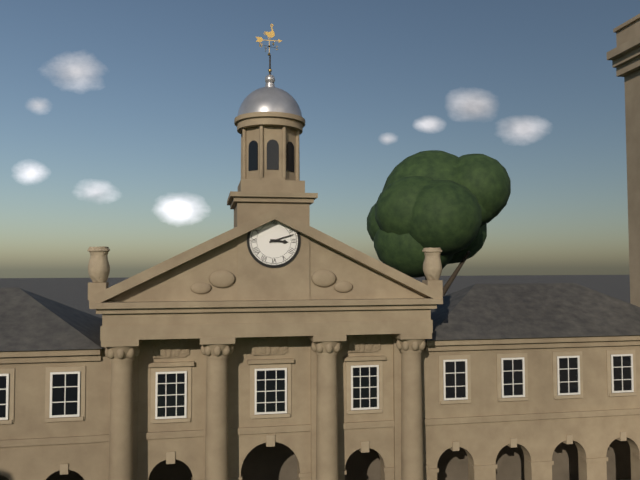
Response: 3:12
